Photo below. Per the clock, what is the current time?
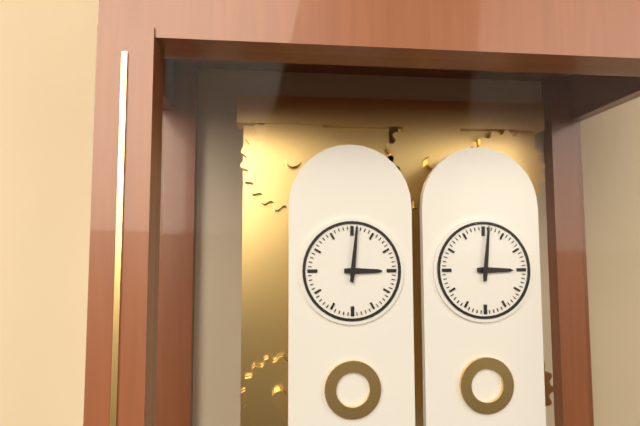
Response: 3:01
